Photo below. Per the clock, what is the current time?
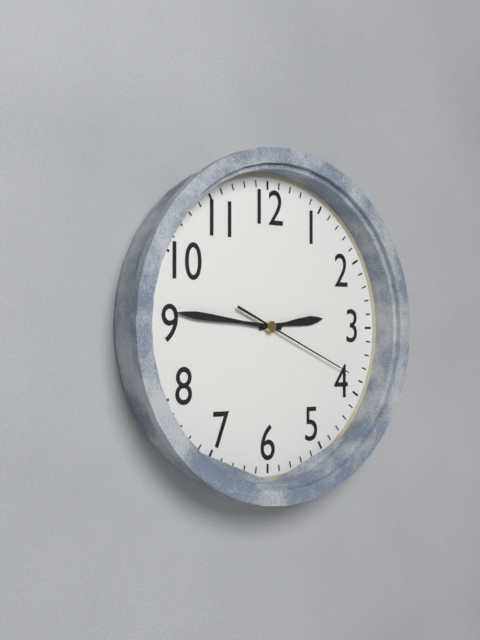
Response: 2:46:19
